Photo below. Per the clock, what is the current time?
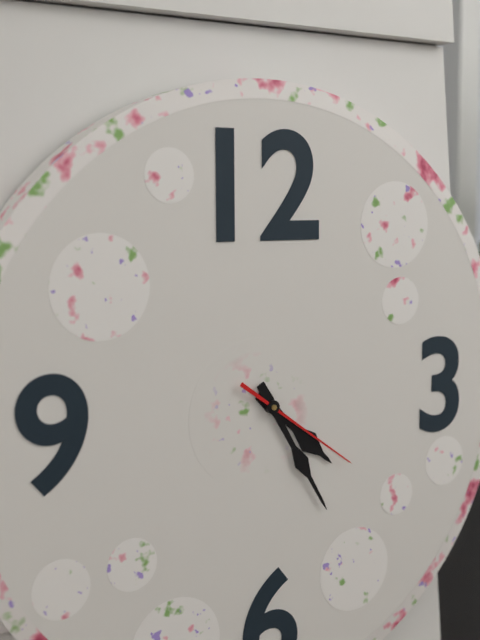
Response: 4:25:21
